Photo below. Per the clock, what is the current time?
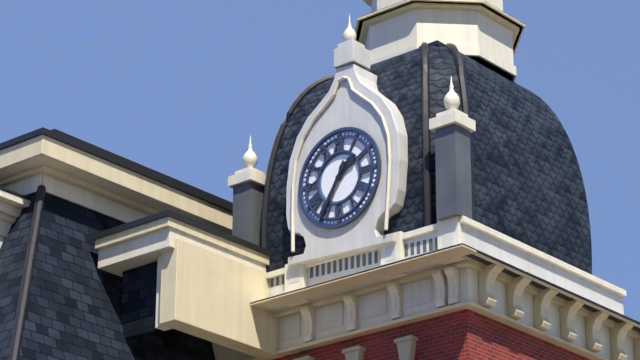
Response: 1:35
